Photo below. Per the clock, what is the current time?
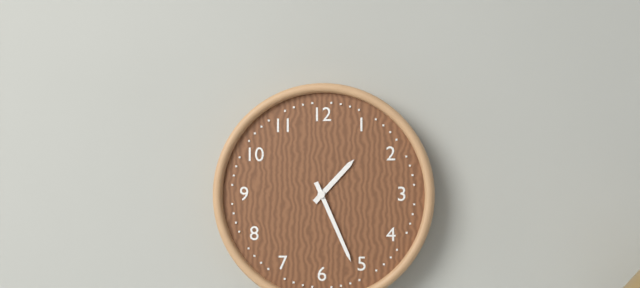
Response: 1:26
